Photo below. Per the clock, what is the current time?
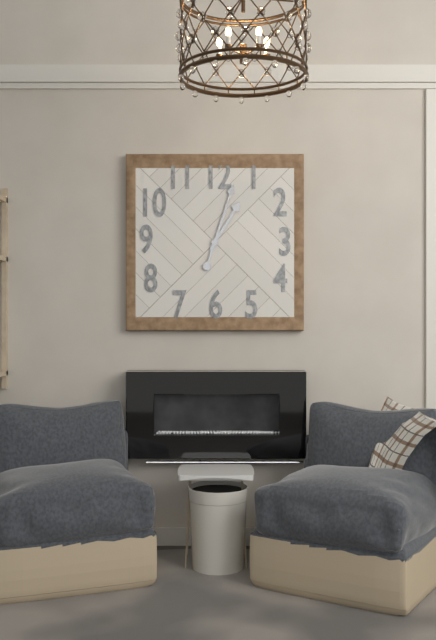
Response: 1:03
